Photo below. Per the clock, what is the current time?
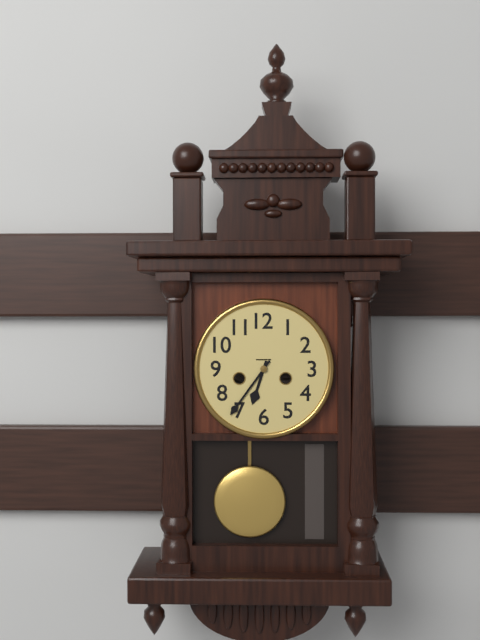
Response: 6:36
